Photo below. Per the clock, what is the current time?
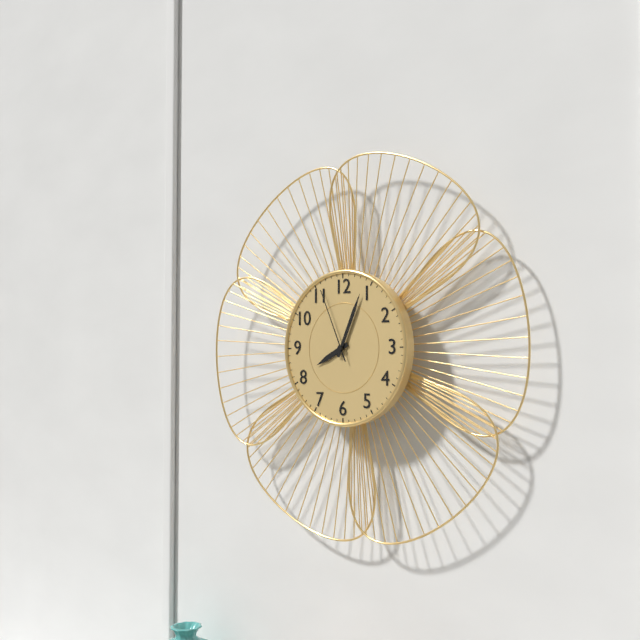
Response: 8:04:56
